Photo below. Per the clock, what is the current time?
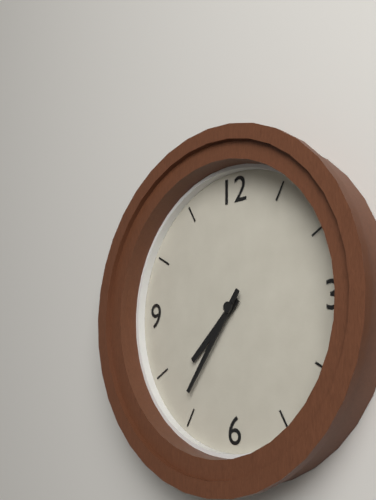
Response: 7:36
